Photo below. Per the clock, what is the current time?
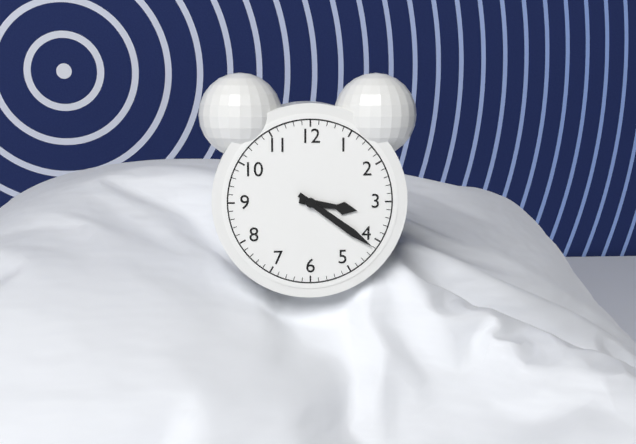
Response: 3:21
